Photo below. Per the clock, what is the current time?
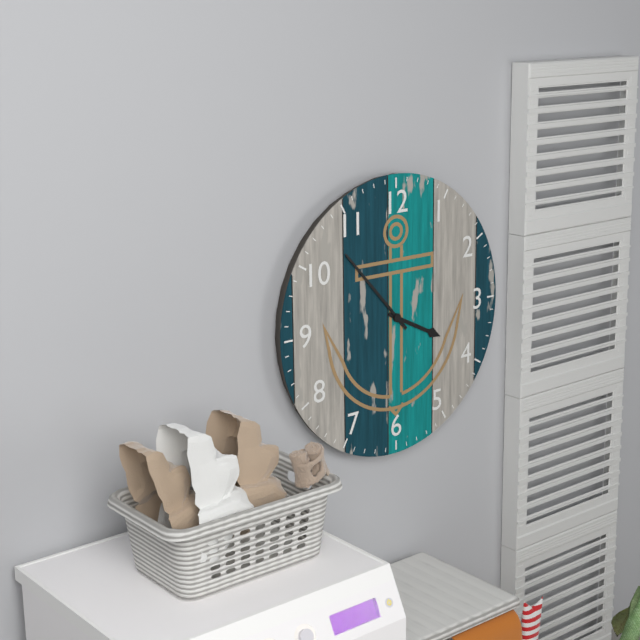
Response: 3:53
